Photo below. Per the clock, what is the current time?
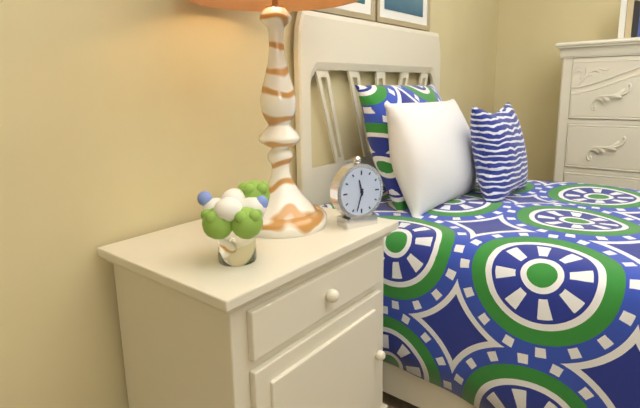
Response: 11:33
